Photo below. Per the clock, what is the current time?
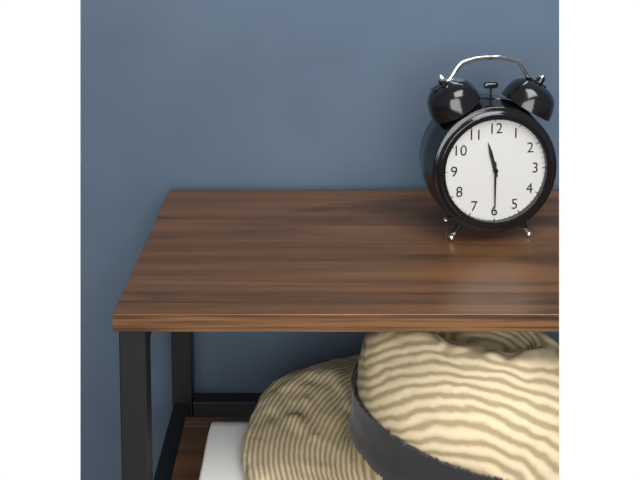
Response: 11:30
